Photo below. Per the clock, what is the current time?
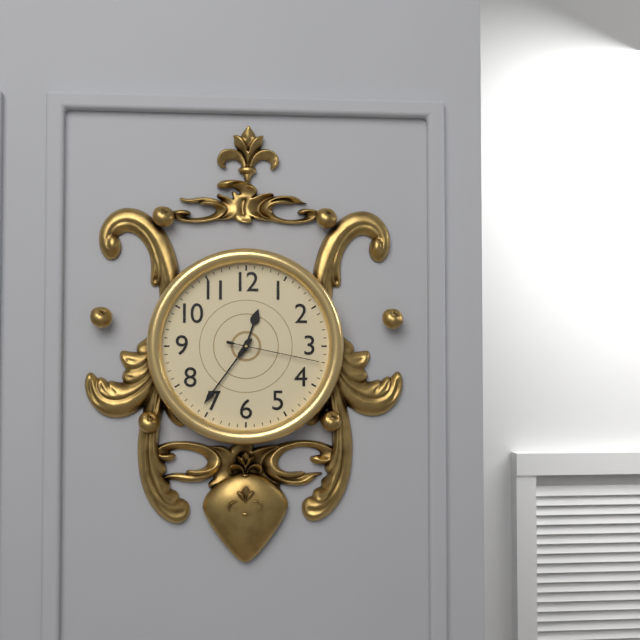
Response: 12:36:17
